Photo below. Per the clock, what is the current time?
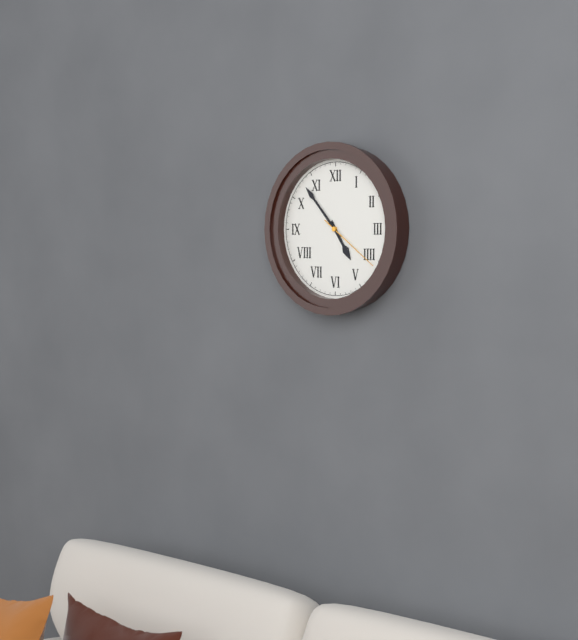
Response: 4:53:21
